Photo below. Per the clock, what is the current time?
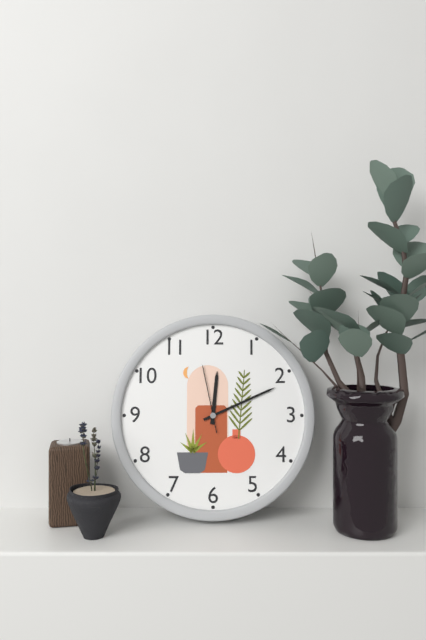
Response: 12:11:58
